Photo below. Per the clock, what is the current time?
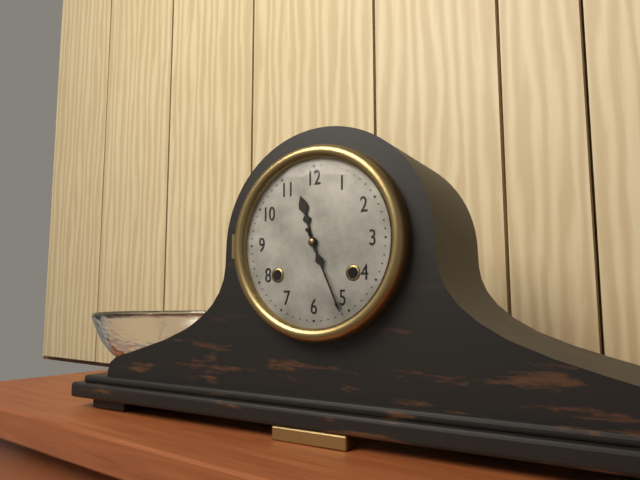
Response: 11:26
